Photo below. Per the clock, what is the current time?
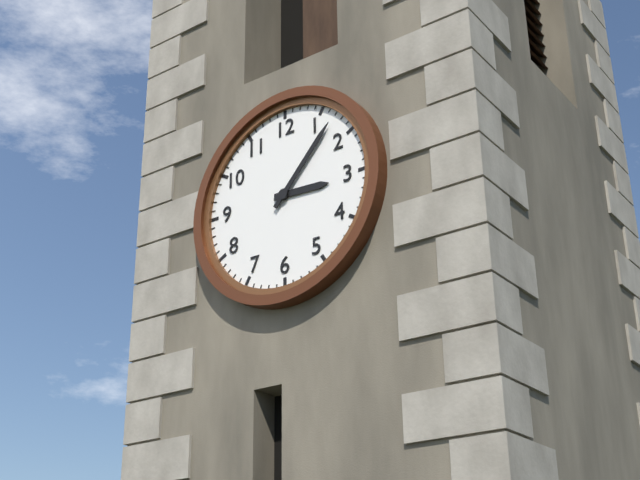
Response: 3:07
